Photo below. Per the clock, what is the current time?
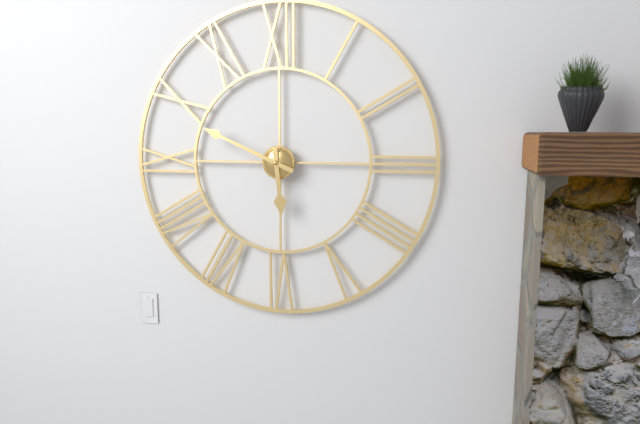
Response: 5:49
